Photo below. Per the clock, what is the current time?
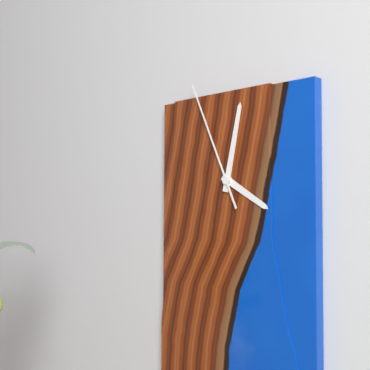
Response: 4:02:56
